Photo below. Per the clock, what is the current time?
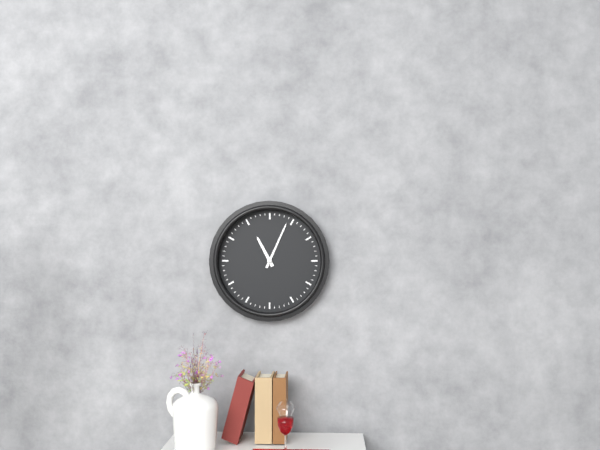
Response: 11:04
